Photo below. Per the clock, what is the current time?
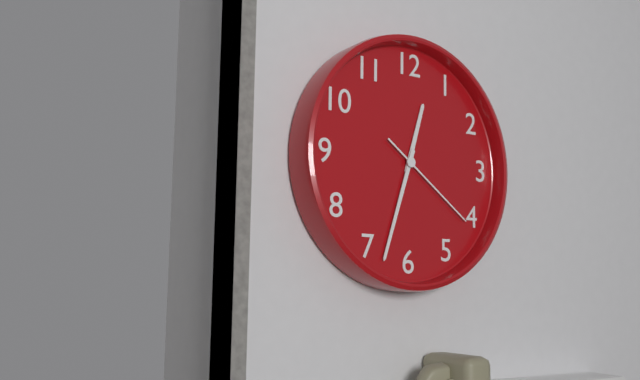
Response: 12:33:21
